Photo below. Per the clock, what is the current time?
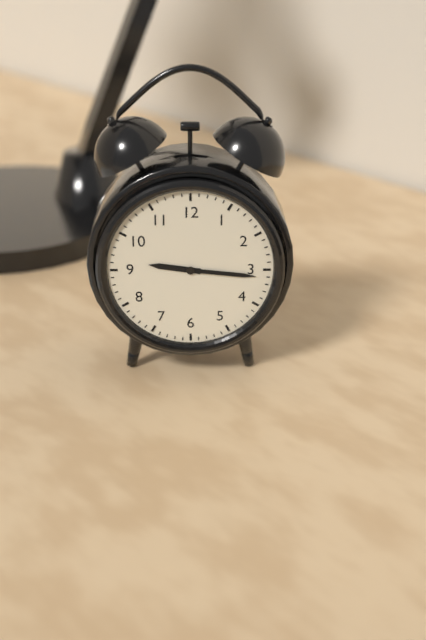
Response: 9:16
